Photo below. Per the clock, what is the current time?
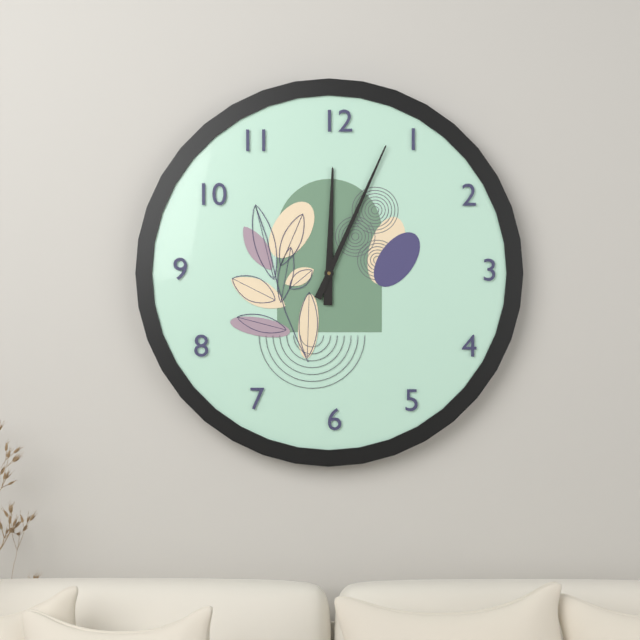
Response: 12:04
